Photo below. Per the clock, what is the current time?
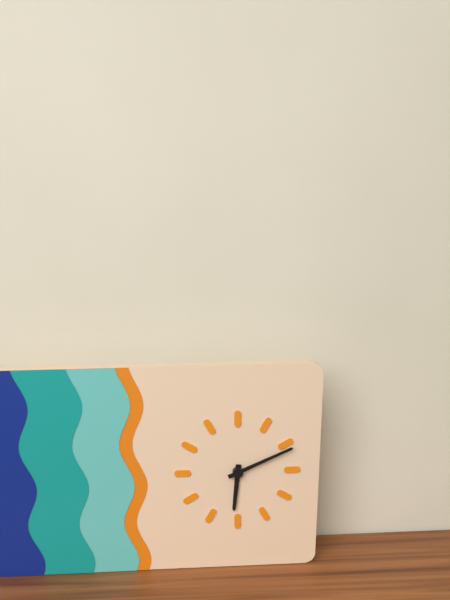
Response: 6:11
